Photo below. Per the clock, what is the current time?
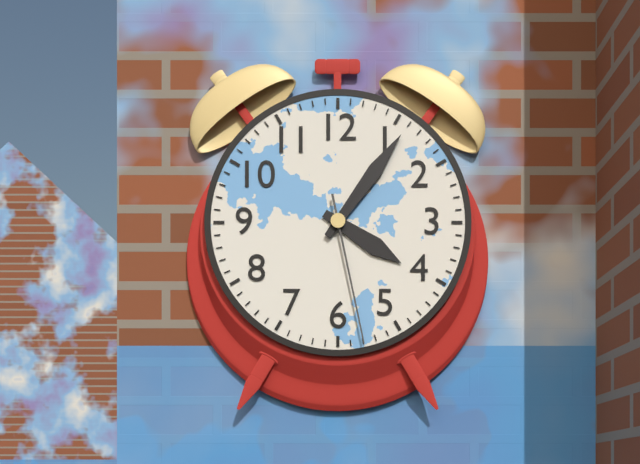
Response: 4:06:28
